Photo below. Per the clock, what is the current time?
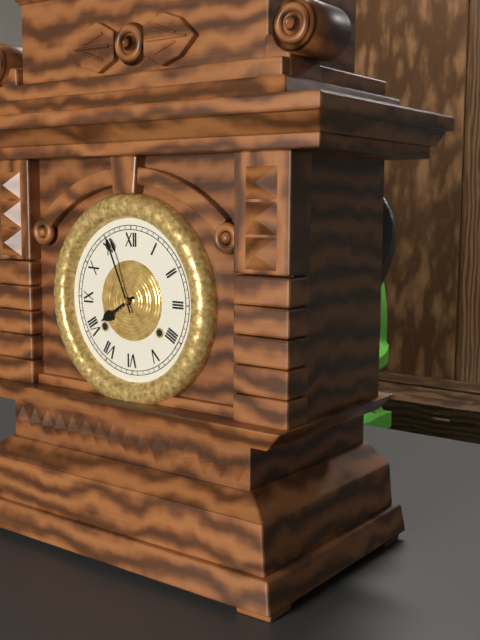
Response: 7:56
